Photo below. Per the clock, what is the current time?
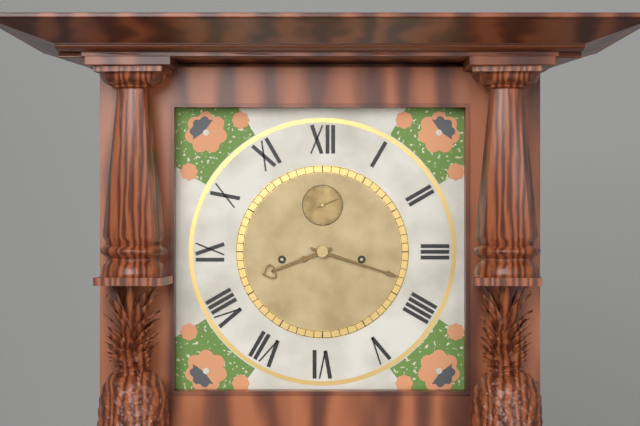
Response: 8:18
